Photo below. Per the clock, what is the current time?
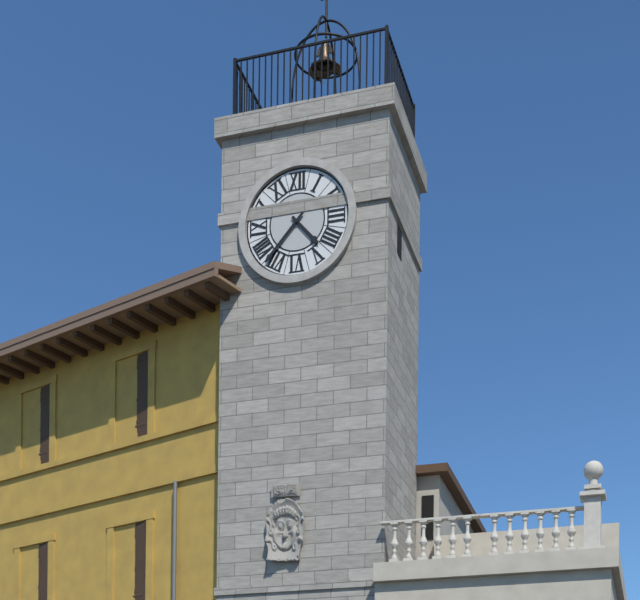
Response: 4:37
